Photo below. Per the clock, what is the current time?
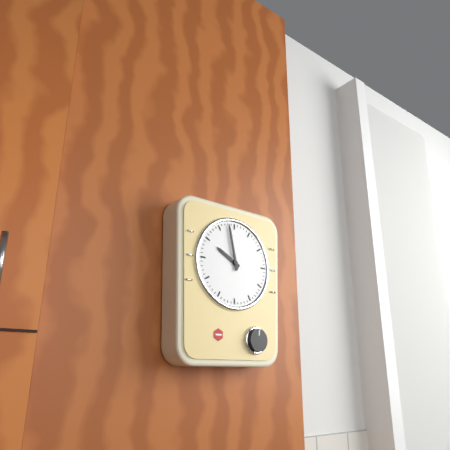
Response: 9:58
